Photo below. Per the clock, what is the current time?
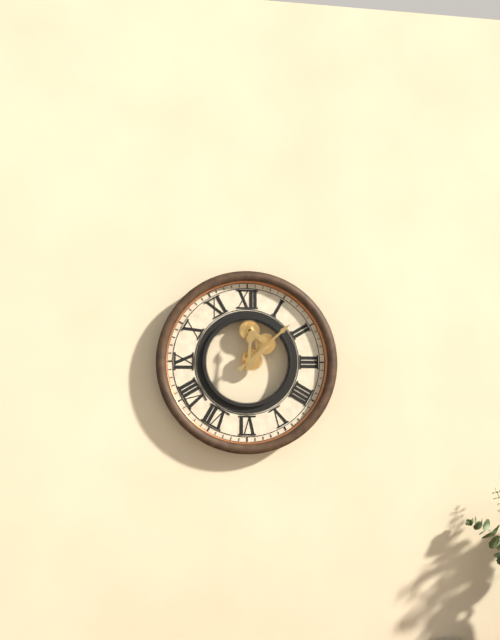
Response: 12:08
